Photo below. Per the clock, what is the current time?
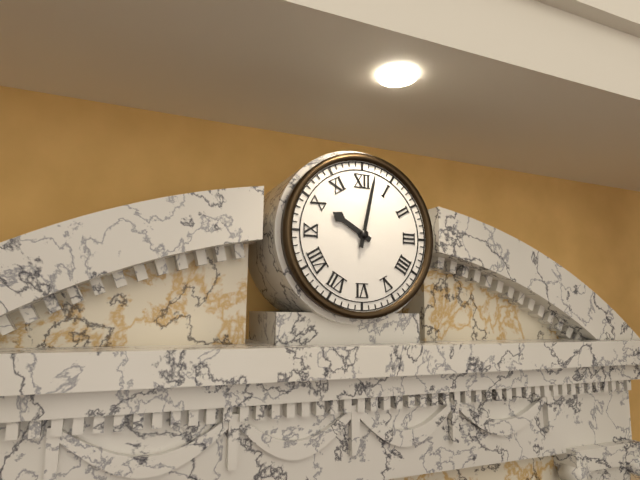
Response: 10:02
